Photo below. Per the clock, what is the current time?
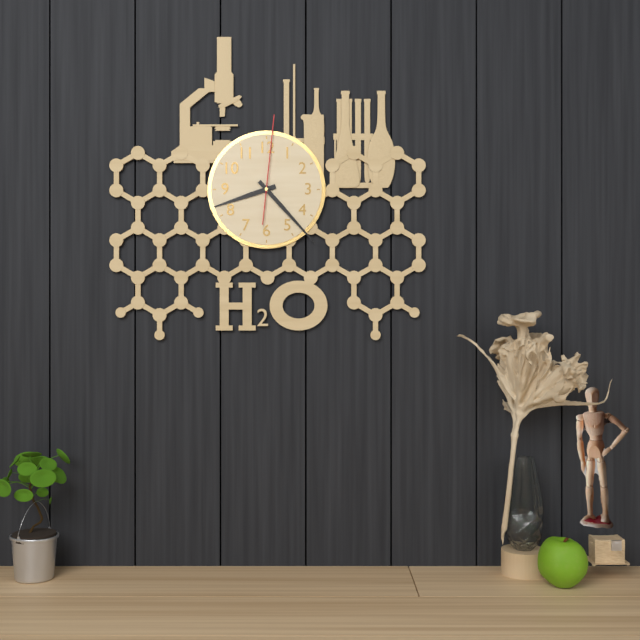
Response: 8:23:01
